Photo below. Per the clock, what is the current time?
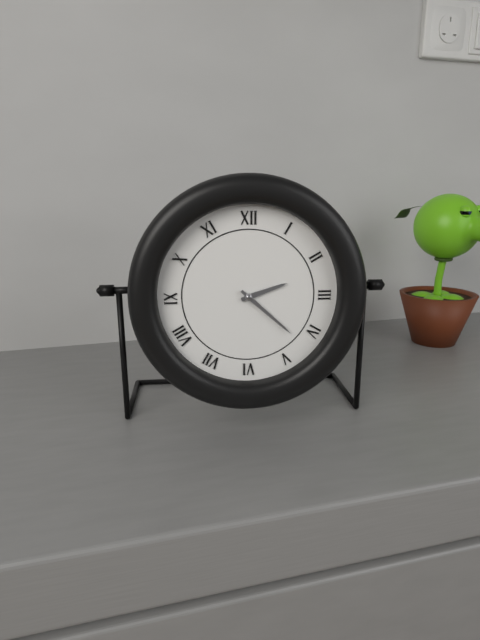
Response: 2:22
